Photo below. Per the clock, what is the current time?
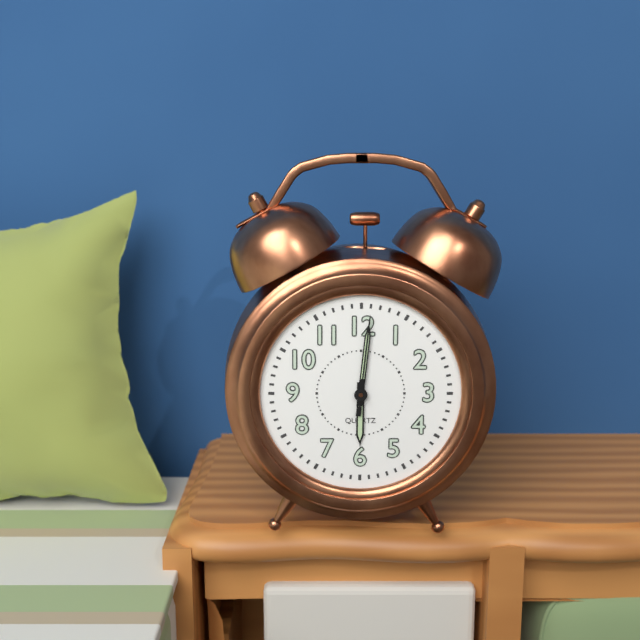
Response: 6:01:01
